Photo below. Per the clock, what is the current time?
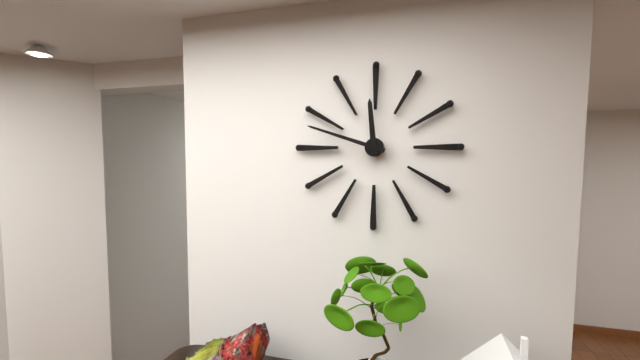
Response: 11:48
